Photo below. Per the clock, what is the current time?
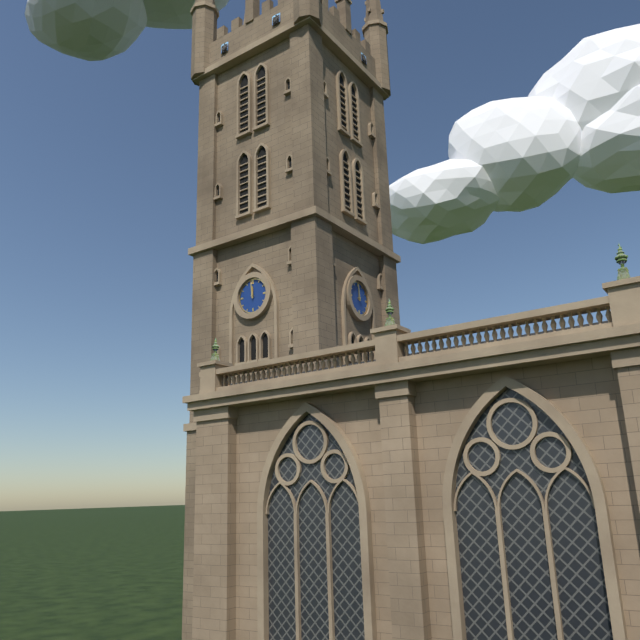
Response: 11:59
